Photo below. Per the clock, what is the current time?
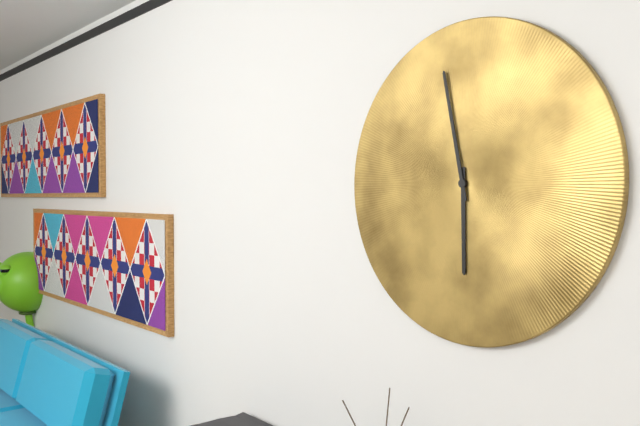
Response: 5:58
